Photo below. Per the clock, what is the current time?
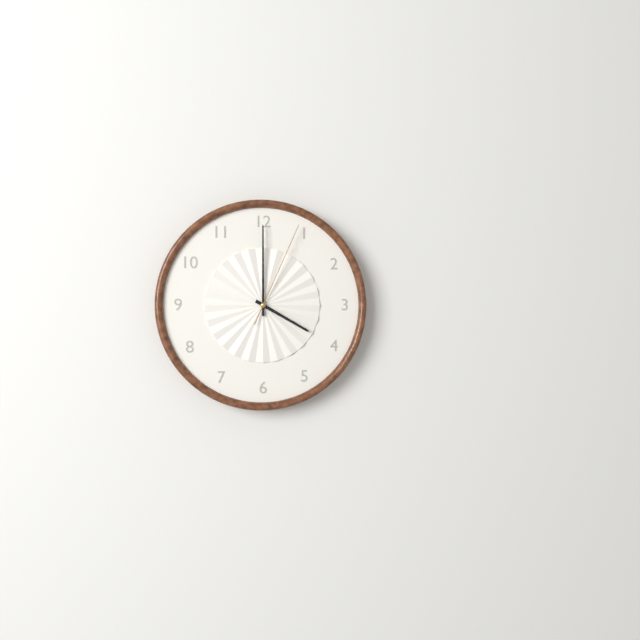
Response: 4:00:04
